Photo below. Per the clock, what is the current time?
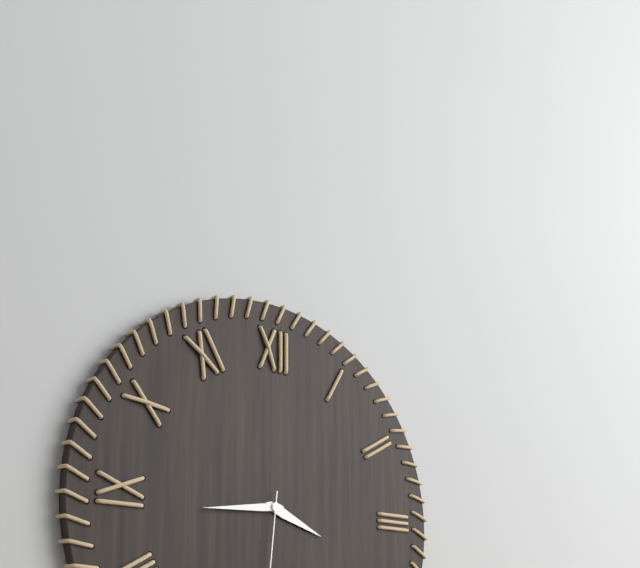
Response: 3:44
